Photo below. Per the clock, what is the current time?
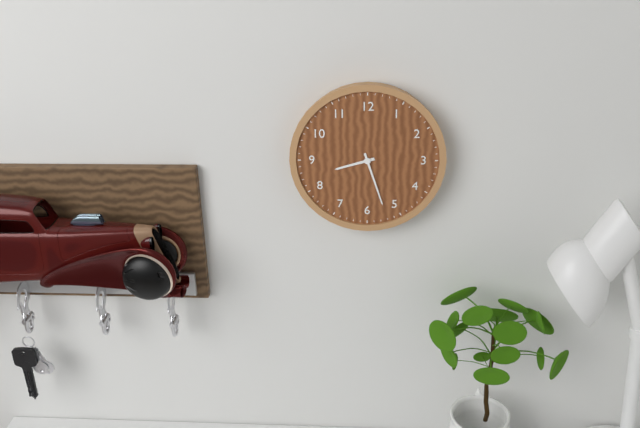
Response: 8:27
